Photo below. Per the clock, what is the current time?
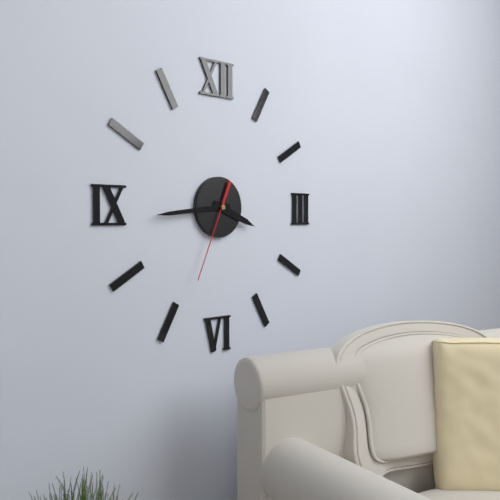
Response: 3:44:34
